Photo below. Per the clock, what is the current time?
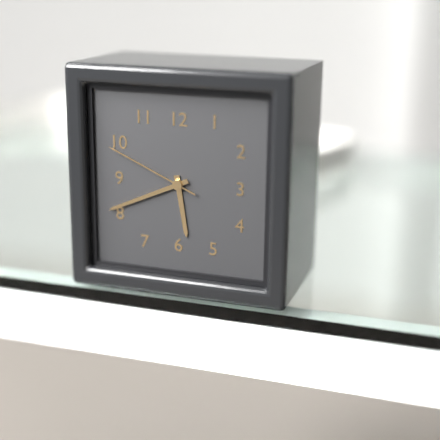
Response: 5:41:49
